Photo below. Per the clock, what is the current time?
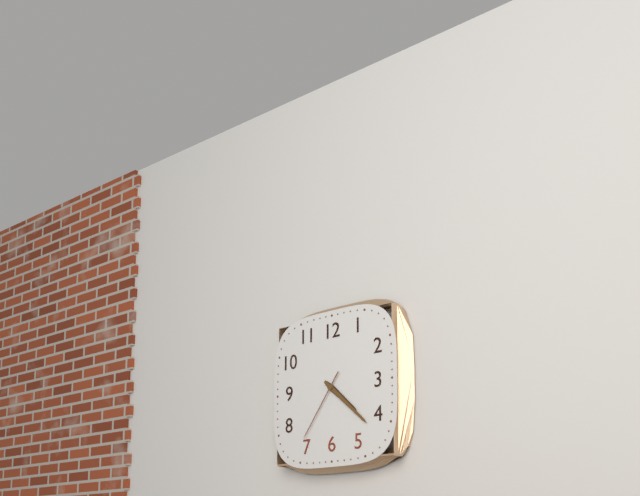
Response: 4:22:36
